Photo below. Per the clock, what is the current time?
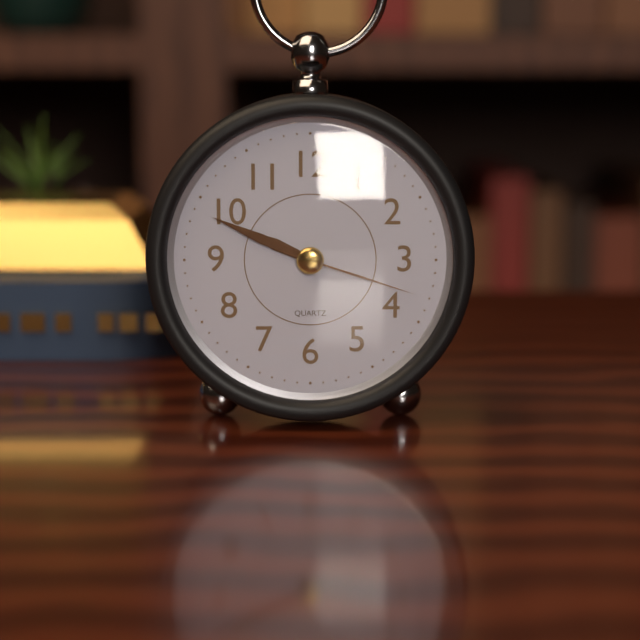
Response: 9:49:18
